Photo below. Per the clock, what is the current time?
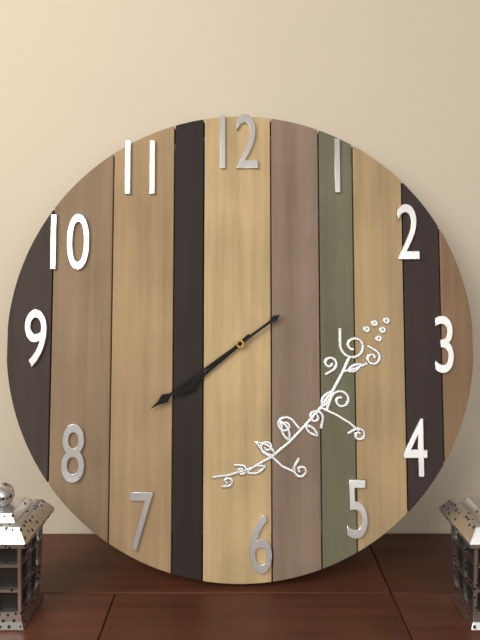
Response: 7:39
